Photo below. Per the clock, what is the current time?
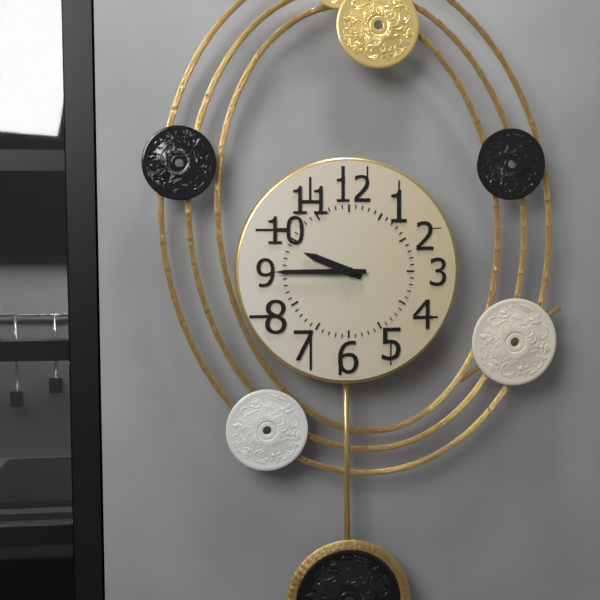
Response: 9:45
